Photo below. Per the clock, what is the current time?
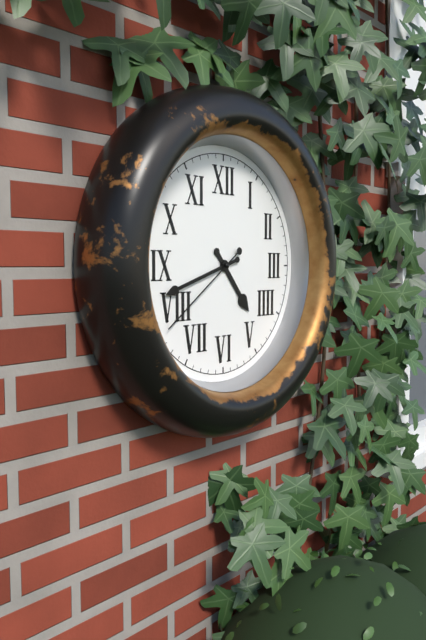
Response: 4:42:39
